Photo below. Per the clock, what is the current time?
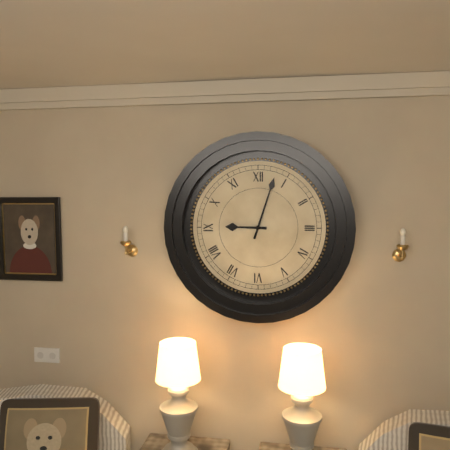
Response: 9:03
